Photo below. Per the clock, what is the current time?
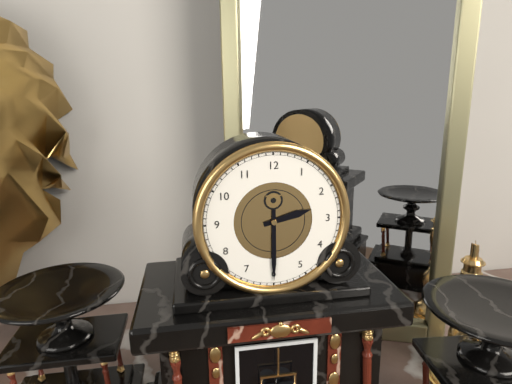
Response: 2:30
